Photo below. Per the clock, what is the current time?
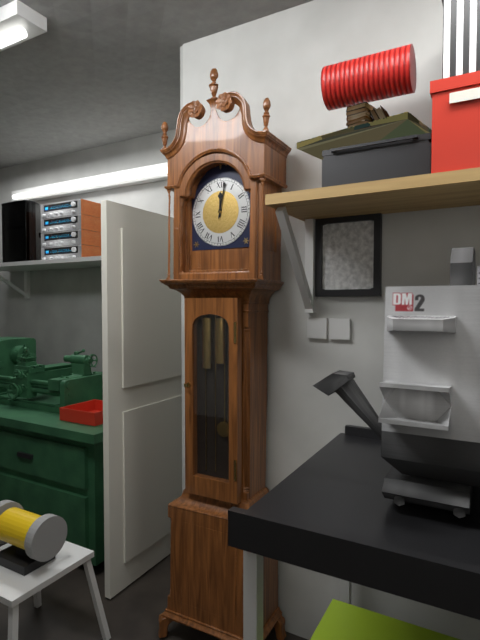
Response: 12:02
